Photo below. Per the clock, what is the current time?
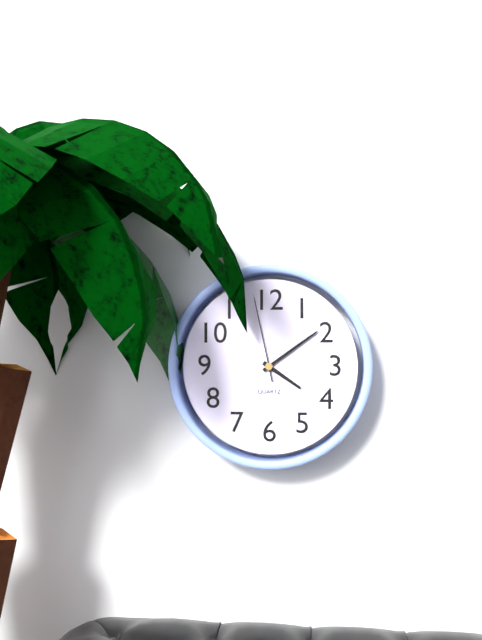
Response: 4:09:58
